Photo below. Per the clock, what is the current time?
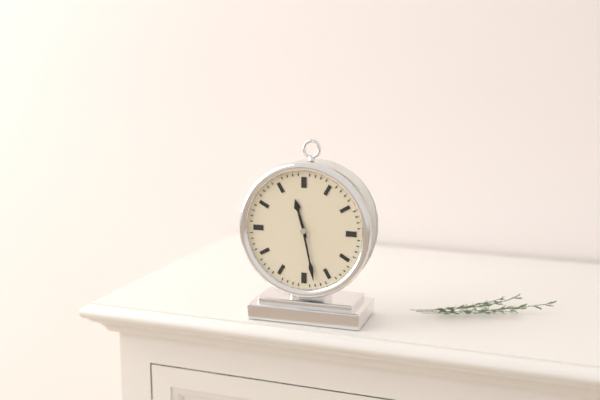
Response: 11:28
